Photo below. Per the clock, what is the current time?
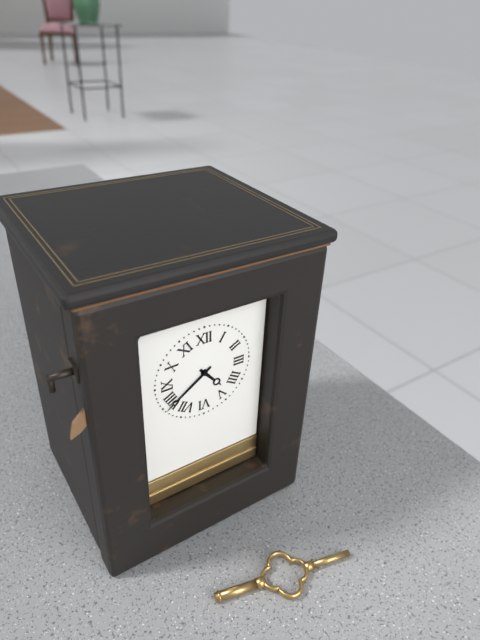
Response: 4:39
